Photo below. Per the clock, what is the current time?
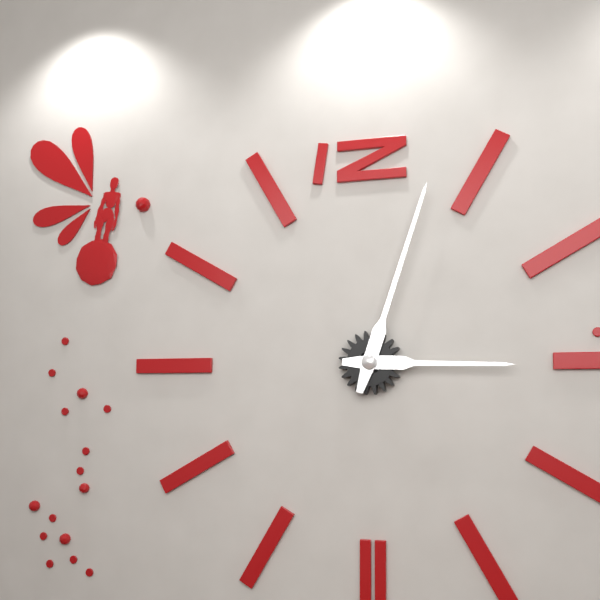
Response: 3:03
